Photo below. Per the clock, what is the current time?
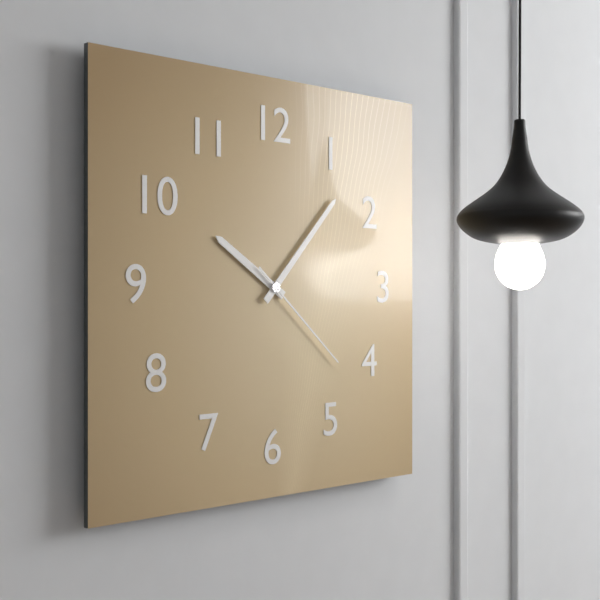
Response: 10:07:22
